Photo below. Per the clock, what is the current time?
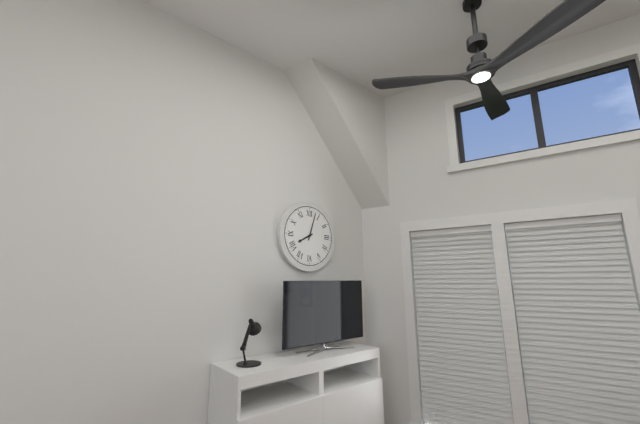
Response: 8:03
